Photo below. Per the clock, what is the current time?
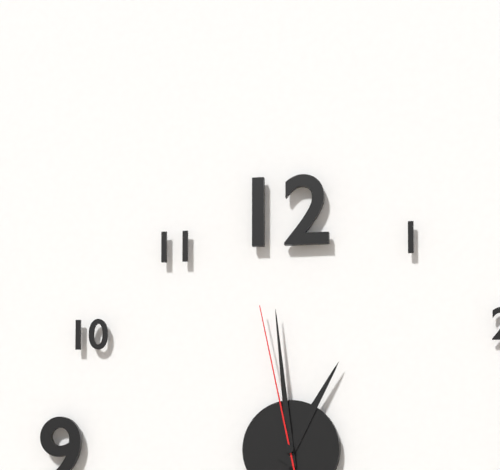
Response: 12:59:58
